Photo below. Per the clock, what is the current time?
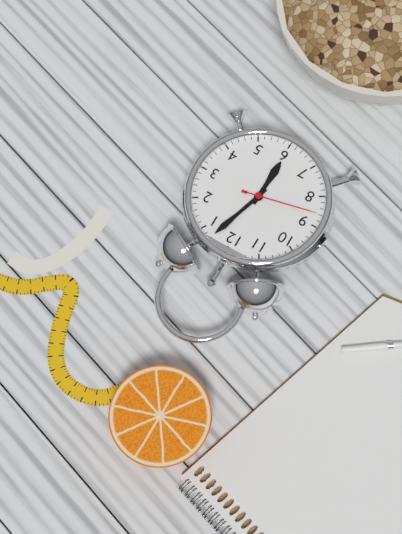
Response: 6:03:43
